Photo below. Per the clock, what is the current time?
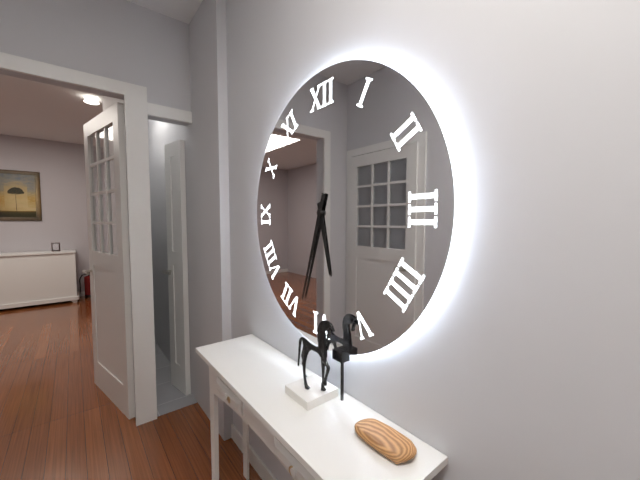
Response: 5:33
